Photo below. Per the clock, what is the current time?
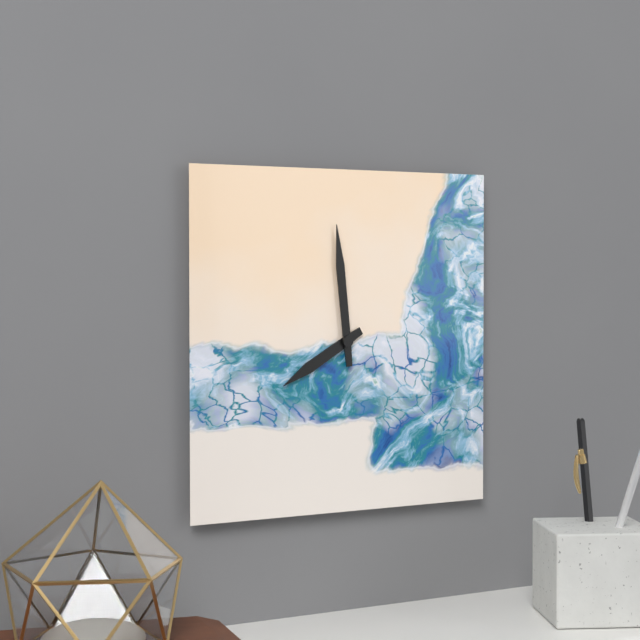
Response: 7:59
